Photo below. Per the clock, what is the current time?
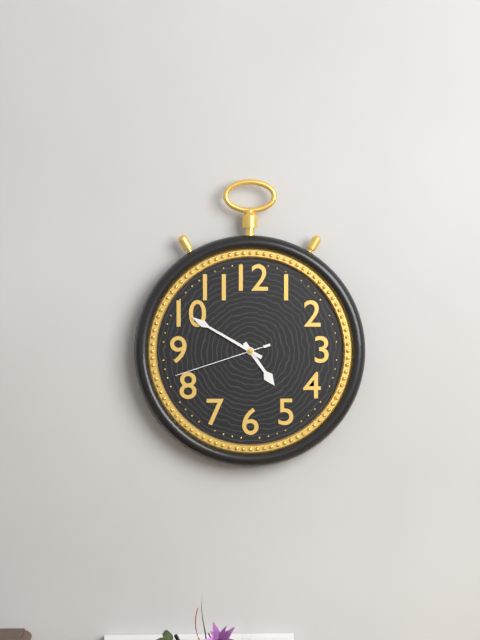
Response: 4:50:42
